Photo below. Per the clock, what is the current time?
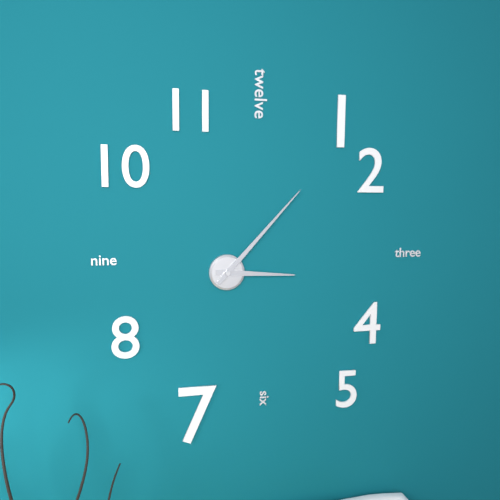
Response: 3:07
